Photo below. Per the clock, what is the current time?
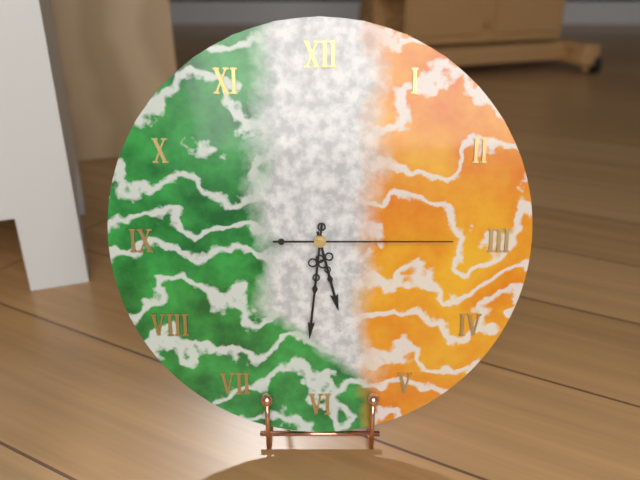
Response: 5:31:15
